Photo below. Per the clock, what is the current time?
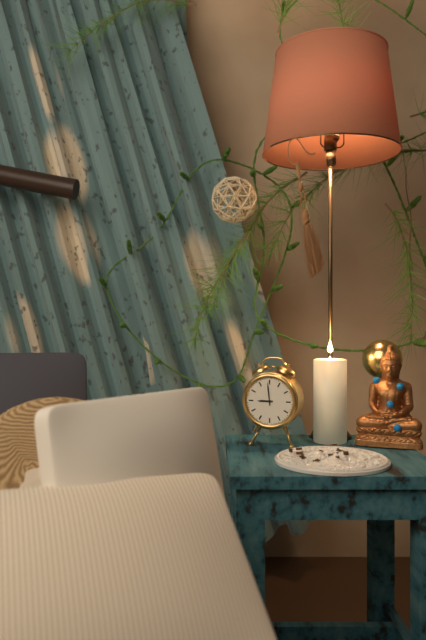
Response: 8:59
